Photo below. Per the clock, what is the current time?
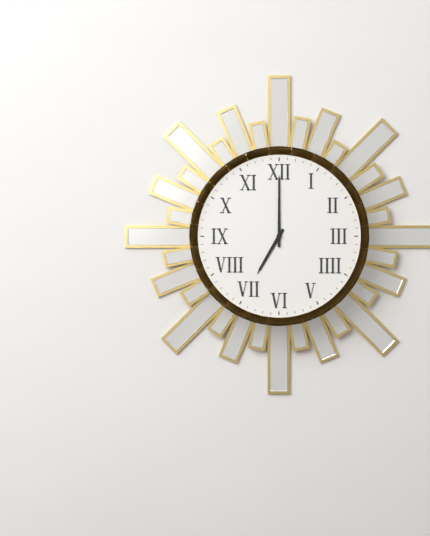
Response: 7:00
